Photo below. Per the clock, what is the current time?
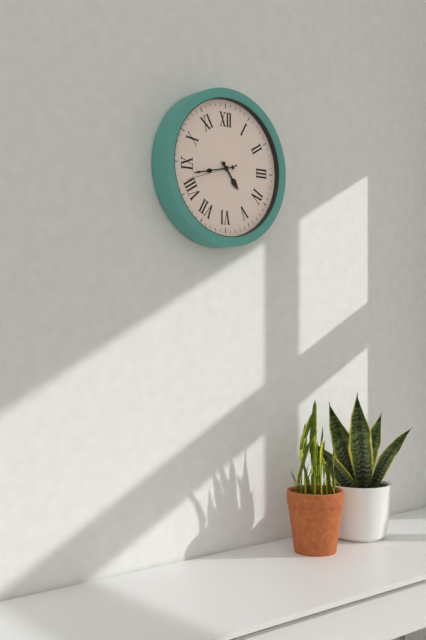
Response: 4:43
